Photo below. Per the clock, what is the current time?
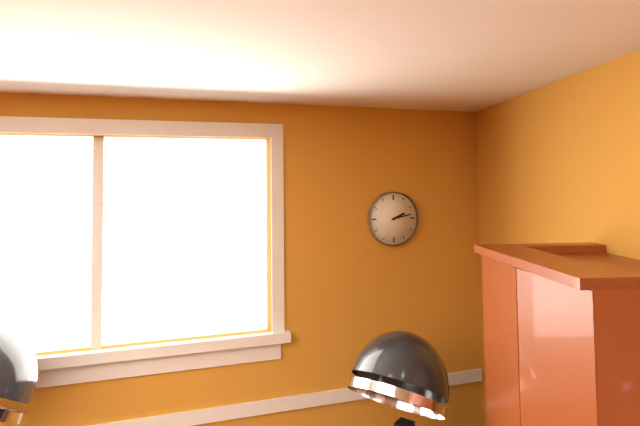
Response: 2:13
